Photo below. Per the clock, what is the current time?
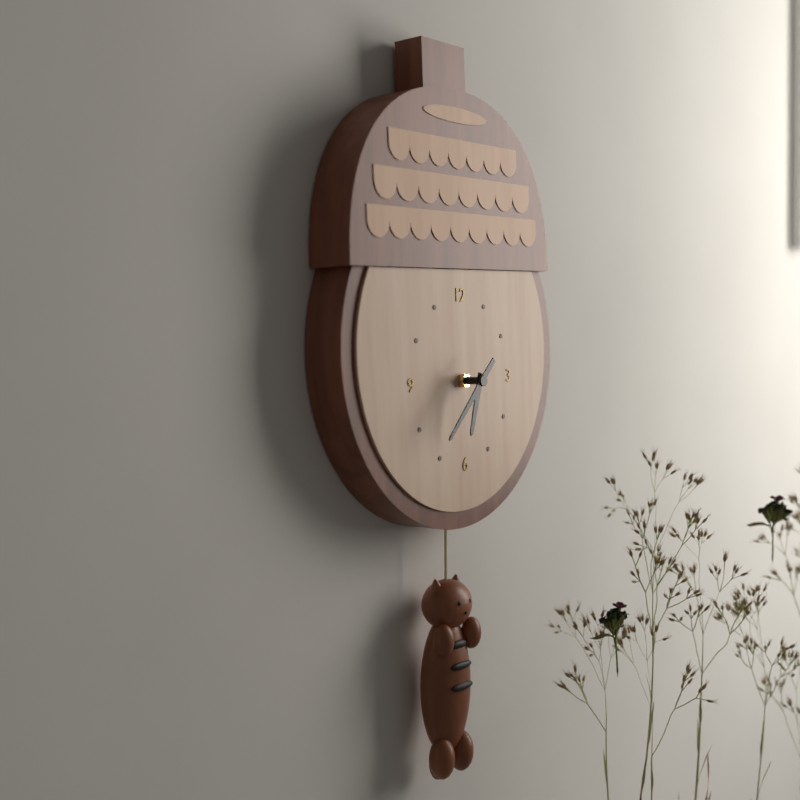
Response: 6:38
